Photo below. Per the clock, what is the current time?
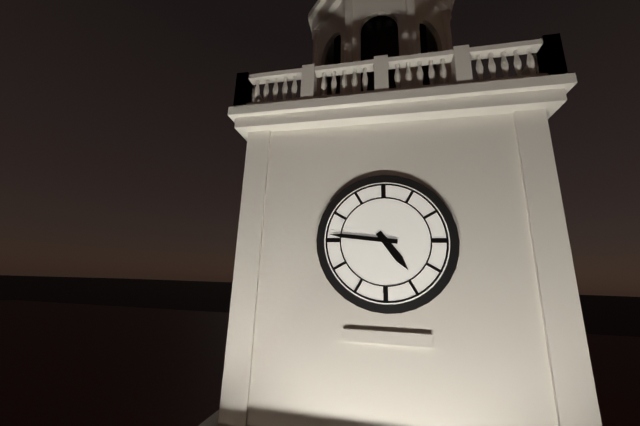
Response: 4:46
